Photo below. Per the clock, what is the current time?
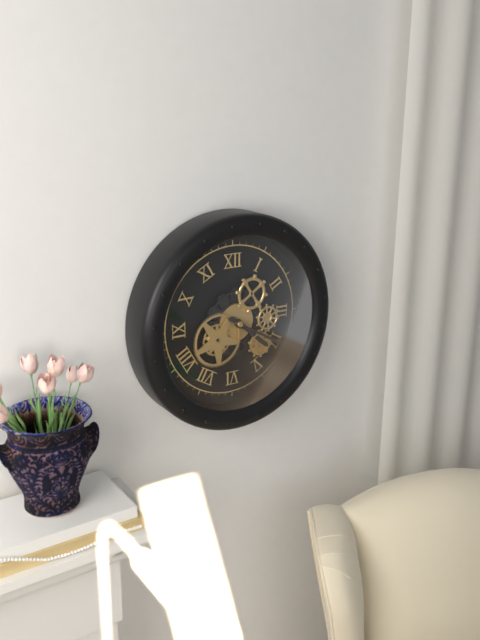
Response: 4:20
